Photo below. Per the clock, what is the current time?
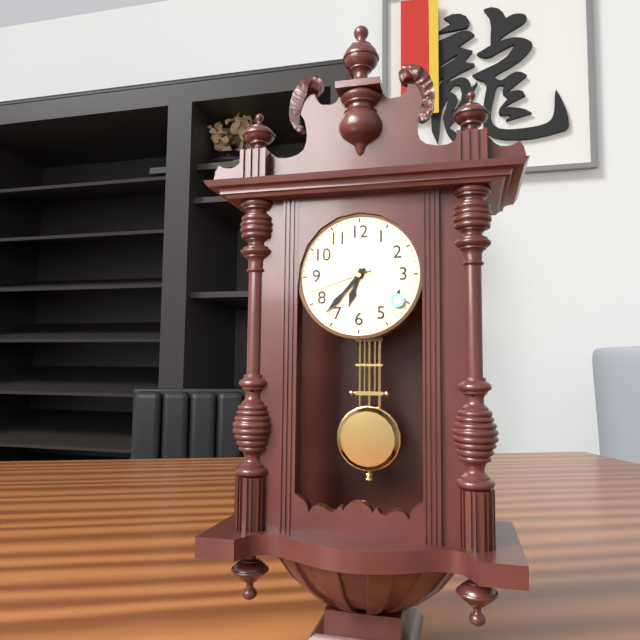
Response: 6:37:42
